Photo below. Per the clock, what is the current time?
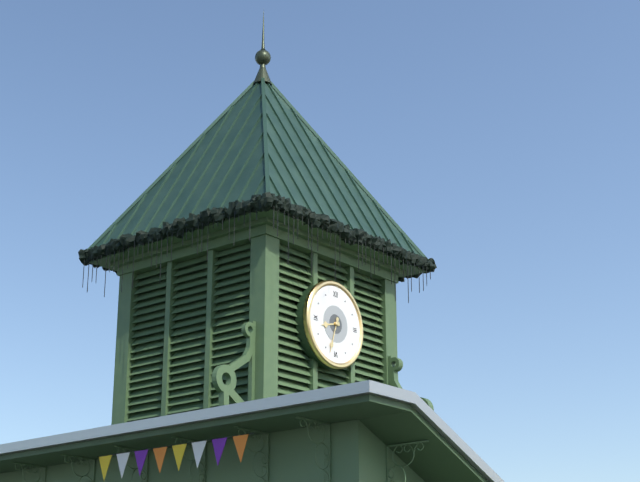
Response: 8:33
